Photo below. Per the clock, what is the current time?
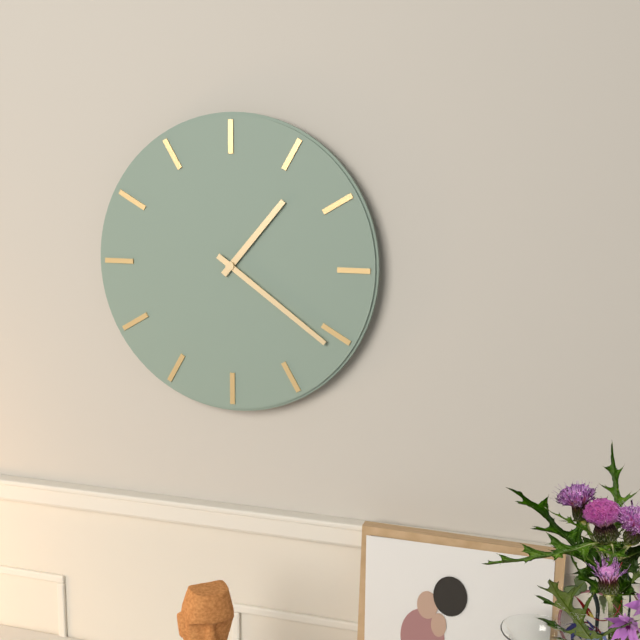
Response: 1:21
